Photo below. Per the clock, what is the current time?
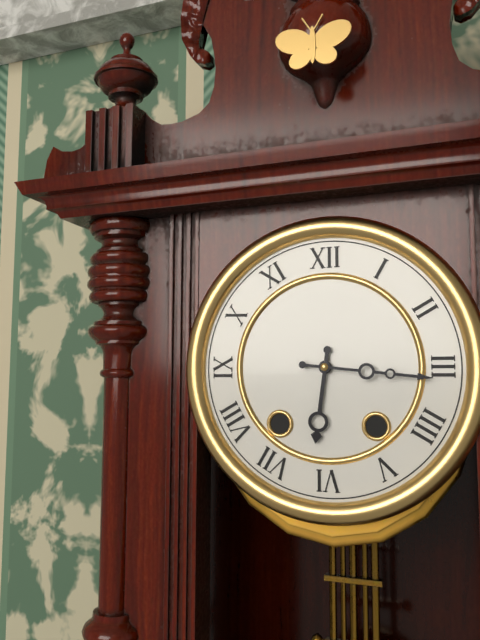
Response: 6:16
